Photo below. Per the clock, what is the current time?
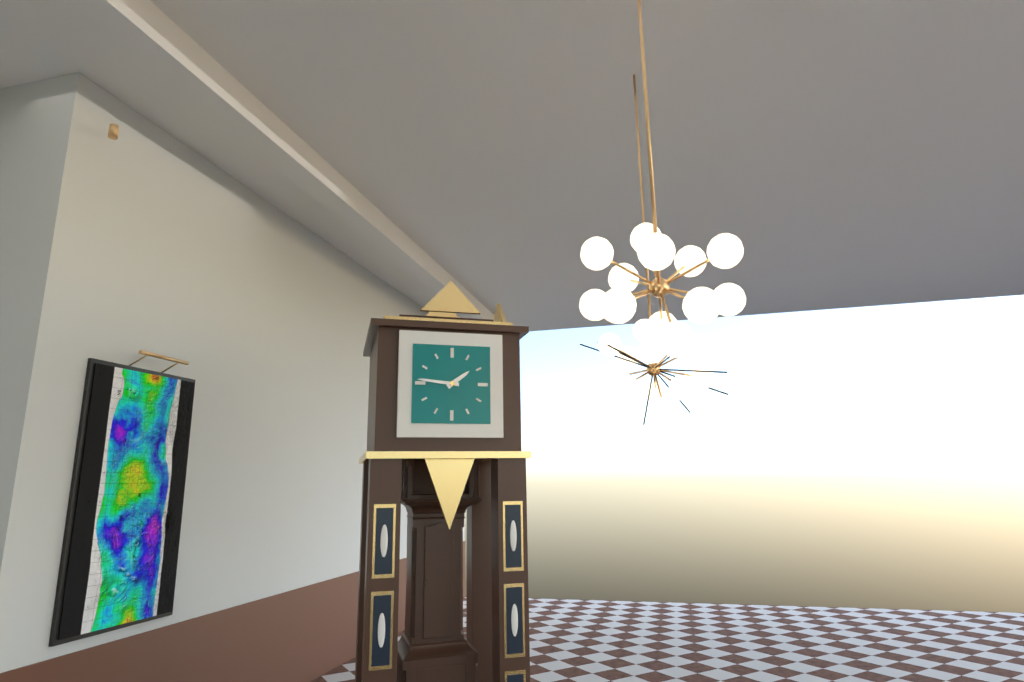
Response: 1:46
